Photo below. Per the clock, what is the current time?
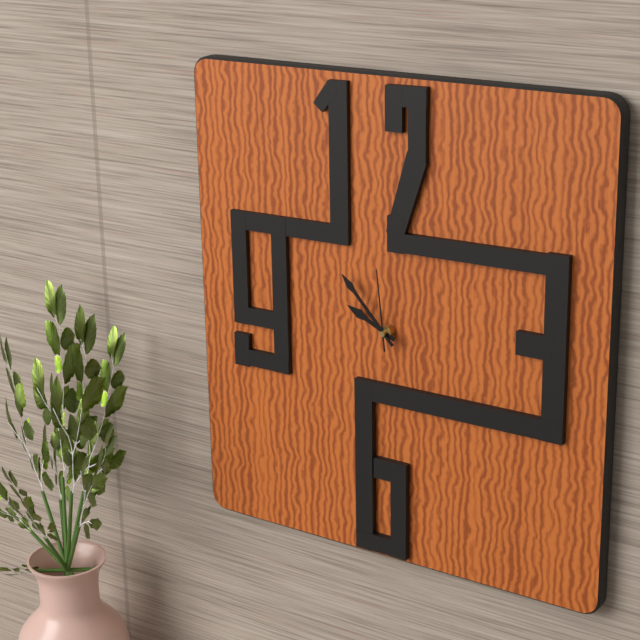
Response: 9:53:59
